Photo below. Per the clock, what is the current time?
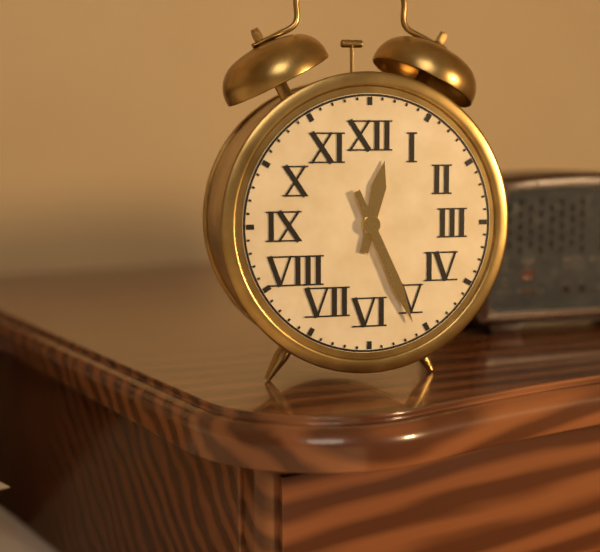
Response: 12:26
